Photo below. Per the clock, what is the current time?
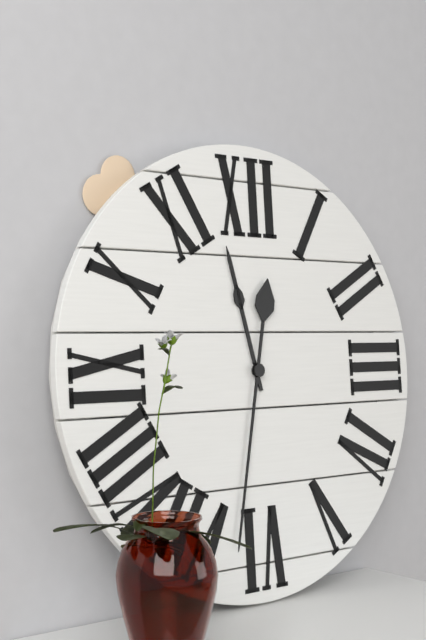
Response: 11:32
